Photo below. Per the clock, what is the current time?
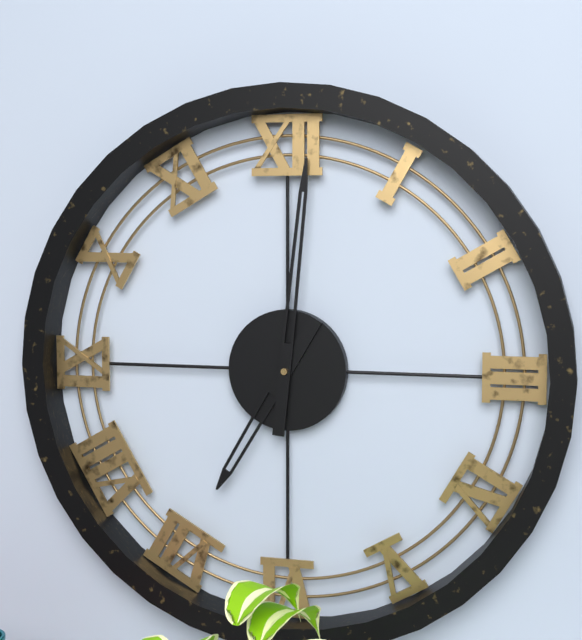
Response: 7:01
